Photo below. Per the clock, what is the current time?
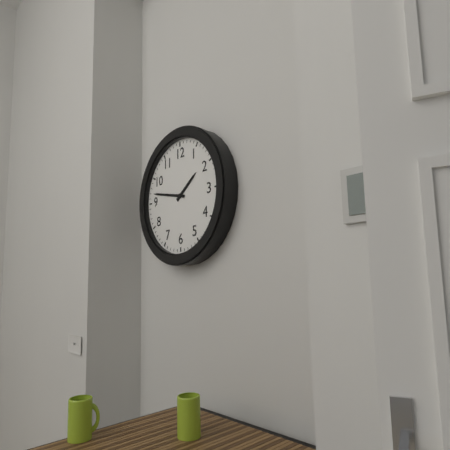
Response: 1:47
